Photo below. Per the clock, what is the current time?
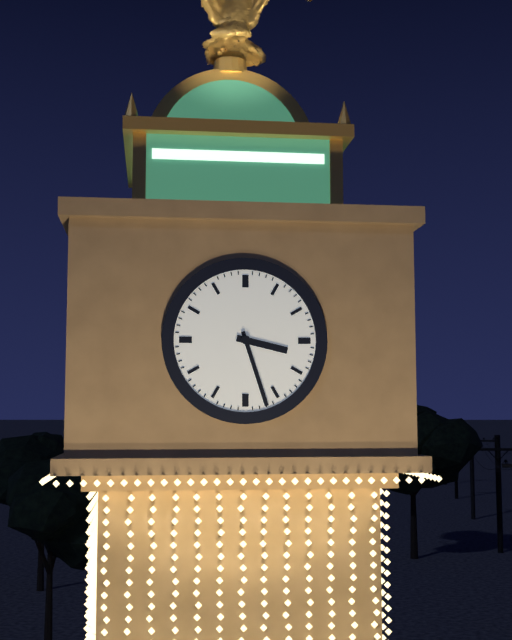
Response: 3:27
